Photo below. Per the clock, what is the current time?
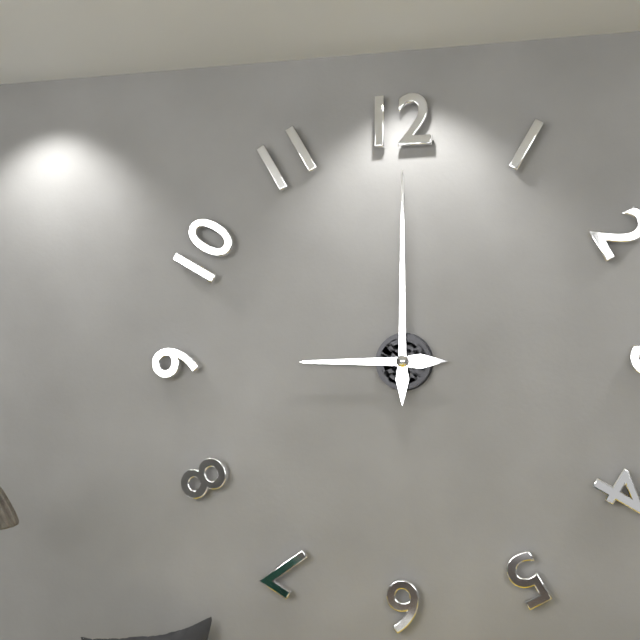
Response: 9:00
